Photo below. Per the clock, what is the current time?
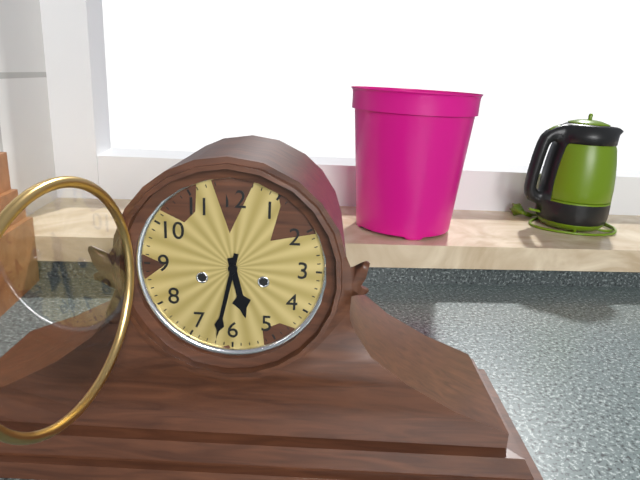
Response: 5:32
